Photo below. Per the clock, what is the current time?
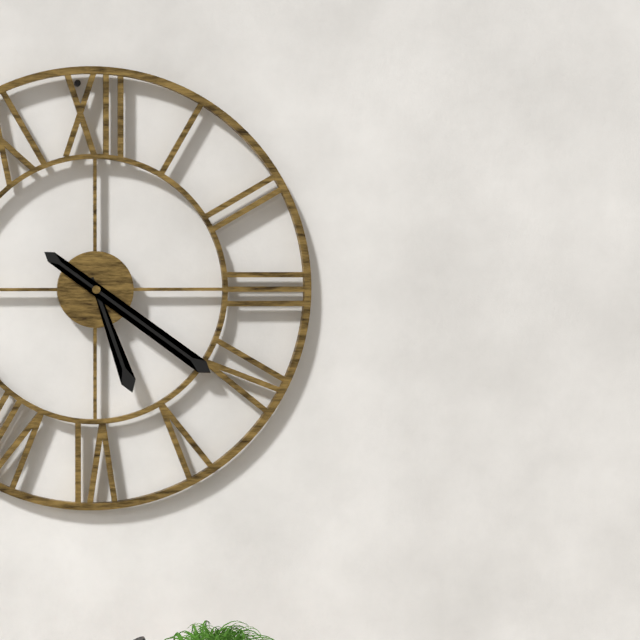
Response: 5:21
